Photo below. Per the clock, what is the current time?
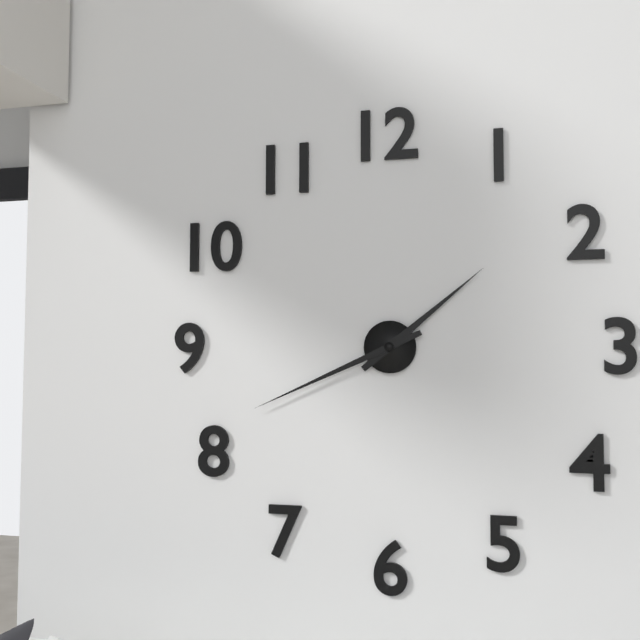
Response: 1:41
